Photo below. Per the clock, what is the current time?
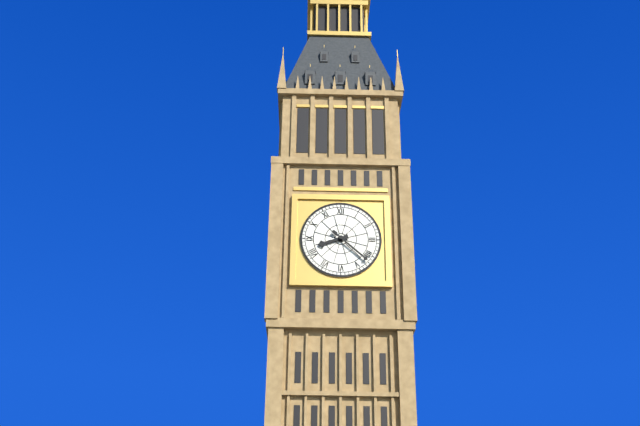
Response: 8:22
